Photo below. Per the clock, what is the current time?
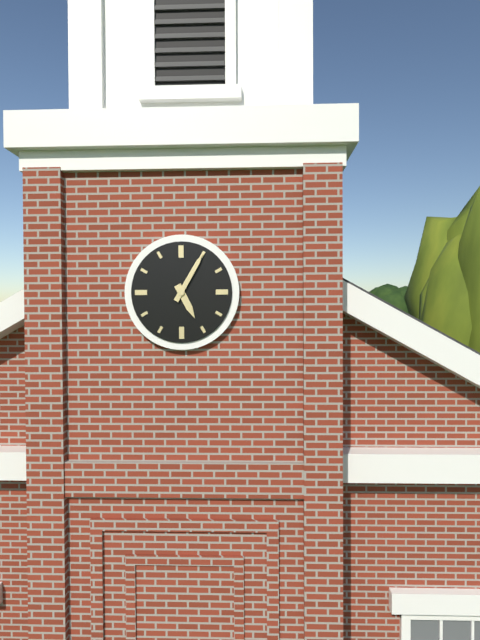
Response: 5:05
